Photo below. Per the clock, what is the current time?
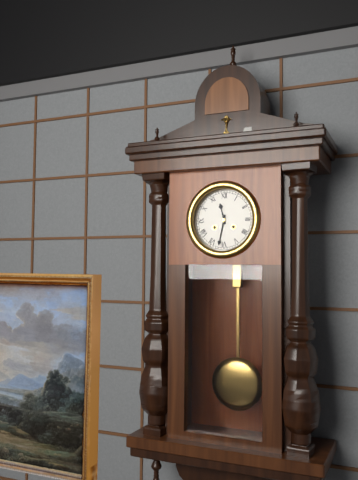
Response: 11:32
